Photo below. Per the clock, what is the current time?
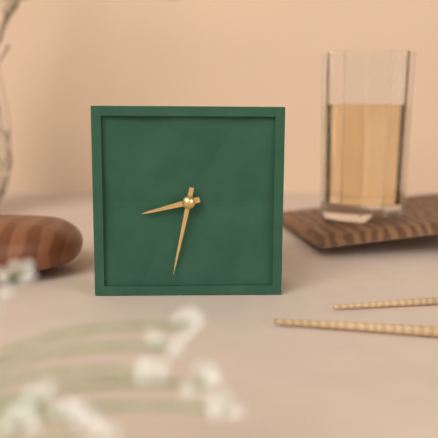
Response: 8:32
